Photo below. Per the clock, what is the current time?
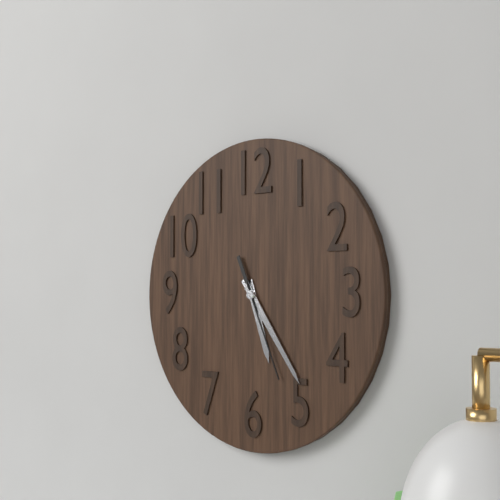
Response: 5:24:26
